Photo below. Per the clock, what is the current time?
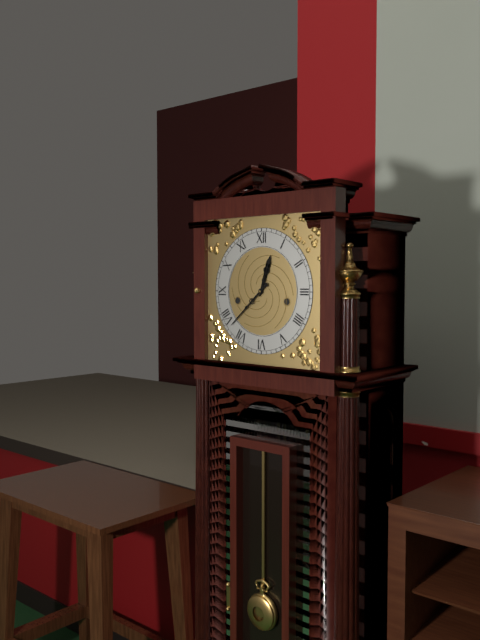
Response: 12:38
